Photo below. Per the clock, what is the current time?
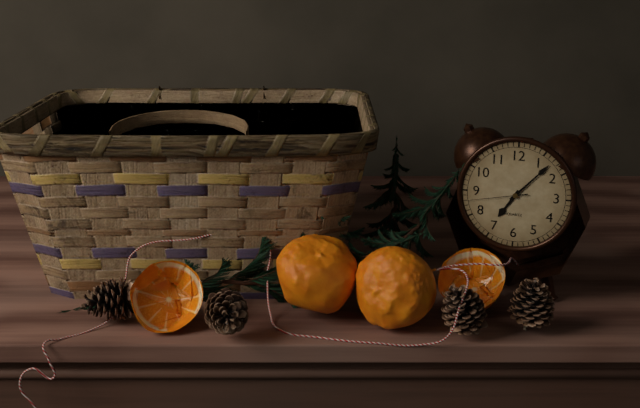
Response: 7:07:43
